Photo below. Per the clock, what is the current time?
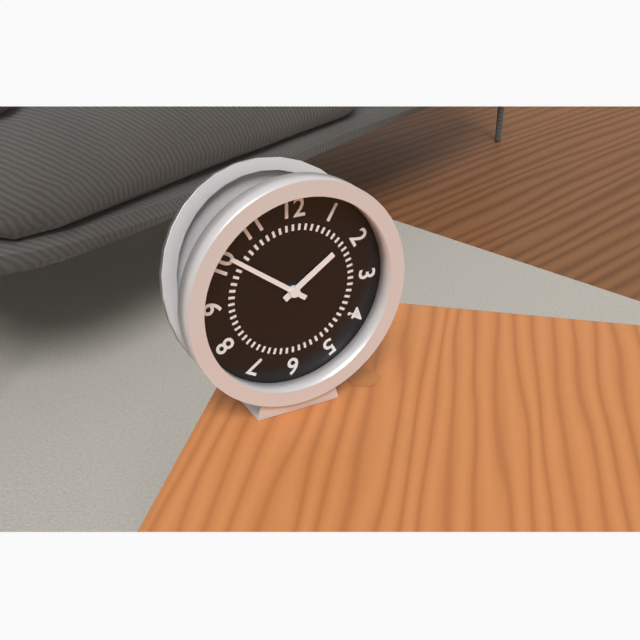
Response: 1:51
